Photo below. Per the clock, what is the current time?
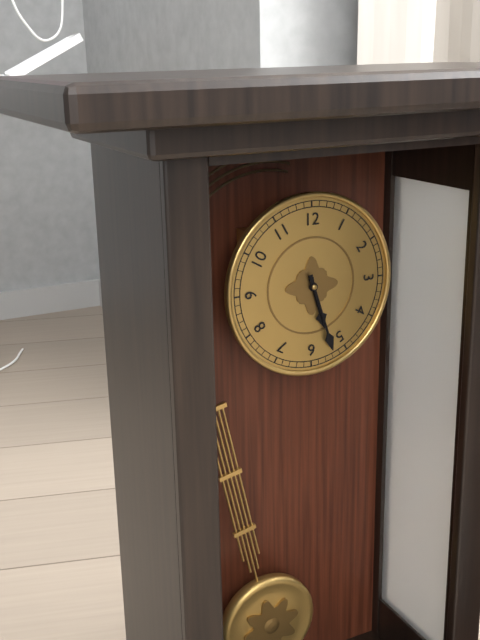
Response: 5:27
